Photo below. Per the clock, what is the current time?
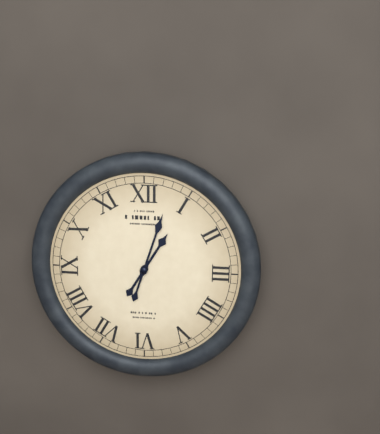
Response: 1:03
